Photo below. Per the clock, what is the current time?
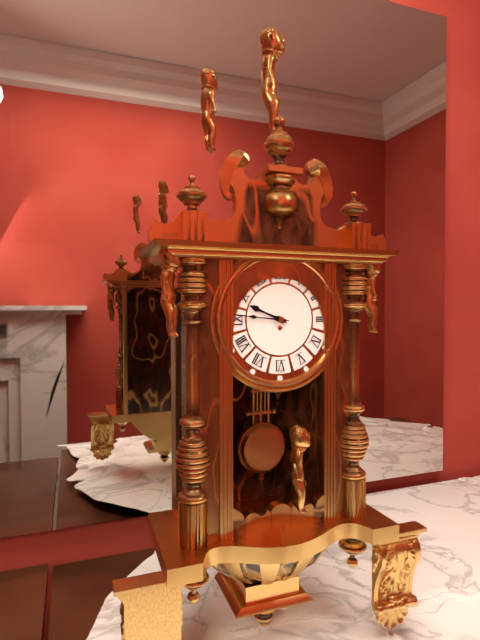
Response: 9:46
